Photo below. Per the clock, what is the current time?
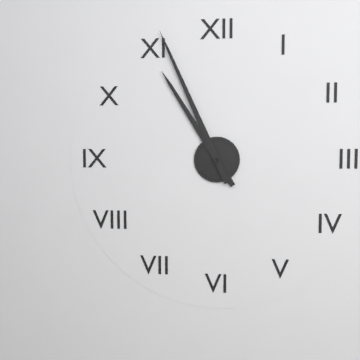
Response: 10:56
